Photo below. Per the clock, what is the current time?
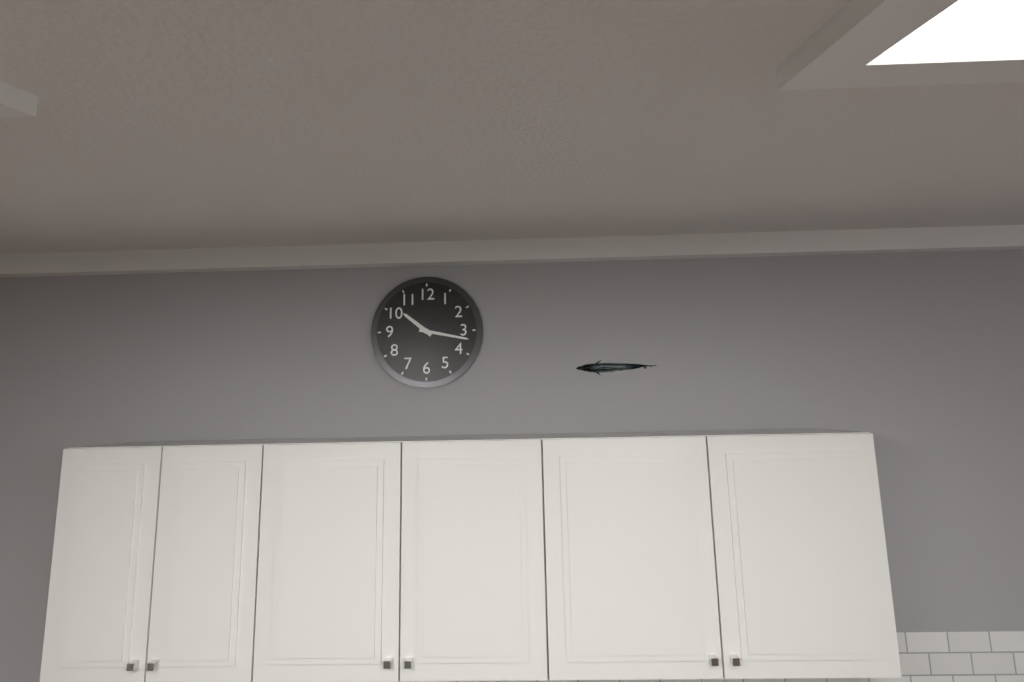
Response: 10:17
